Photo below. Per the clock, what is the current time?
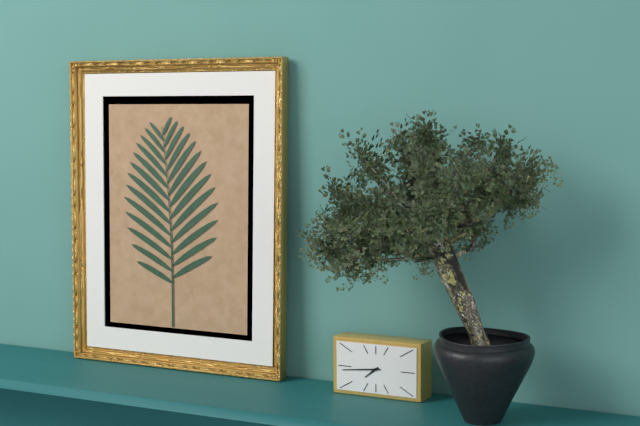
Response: 7:44
